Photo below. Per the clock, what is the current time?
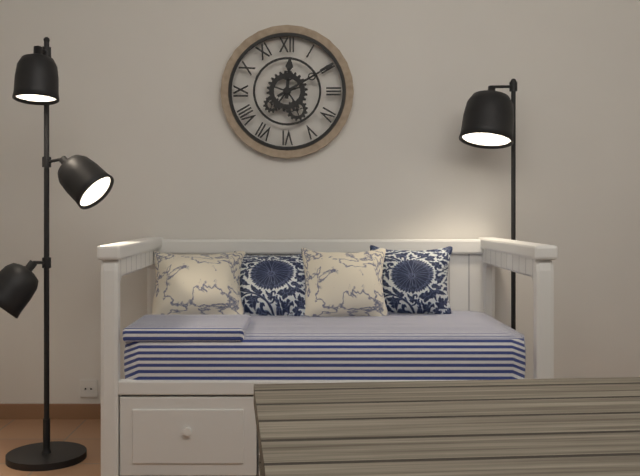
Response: 12:10
